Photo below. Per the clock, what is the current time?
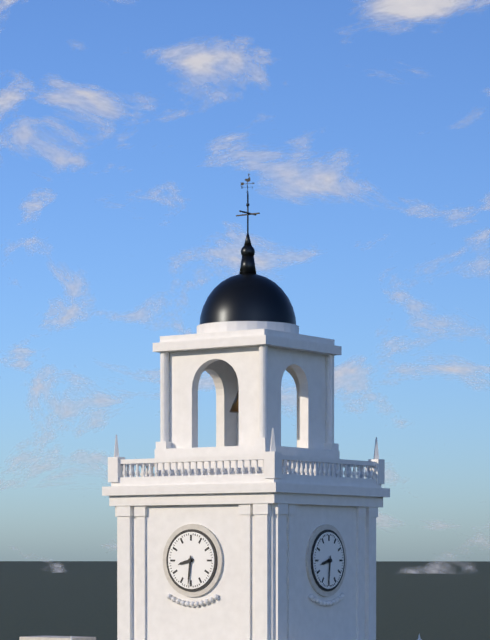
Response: 8:31
